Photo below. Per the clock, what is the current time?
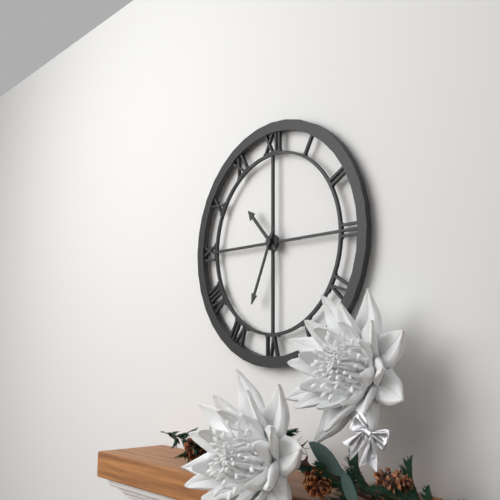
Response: 10:34
